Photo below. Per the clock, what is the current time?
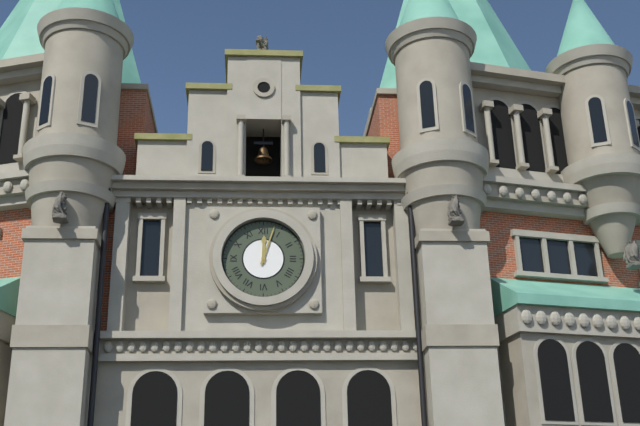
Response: 12:03
